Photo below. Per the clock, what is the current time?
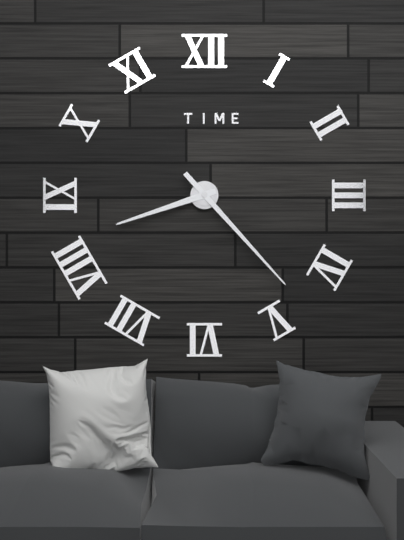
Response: 8:23
